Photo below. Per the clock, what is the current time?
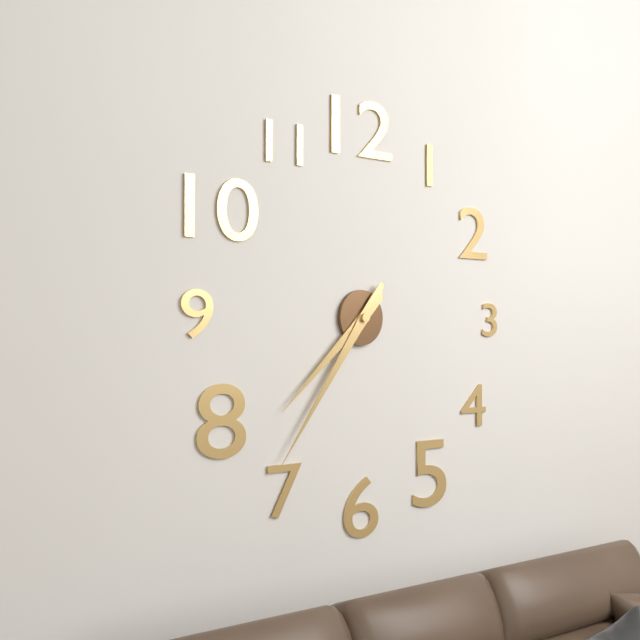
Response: 7:36
